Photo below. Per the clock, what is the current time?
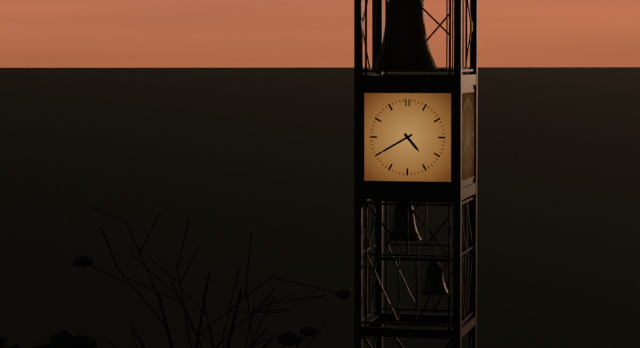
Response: 4:40
